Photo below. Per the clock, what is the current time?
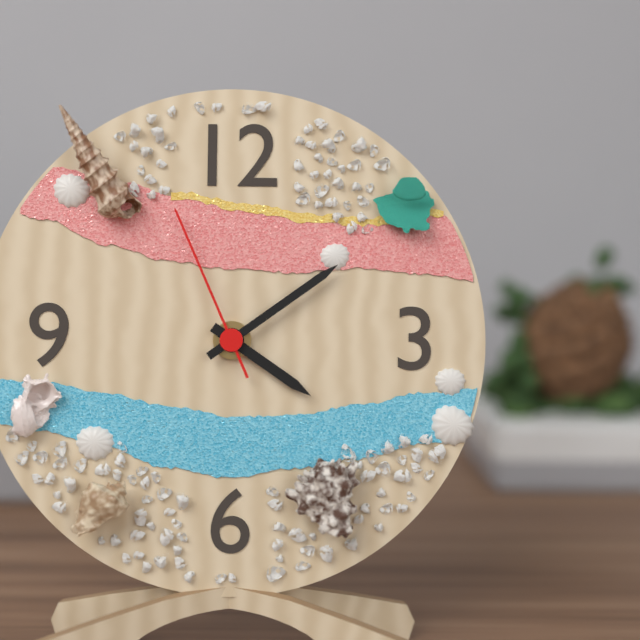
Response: 4:09:56
